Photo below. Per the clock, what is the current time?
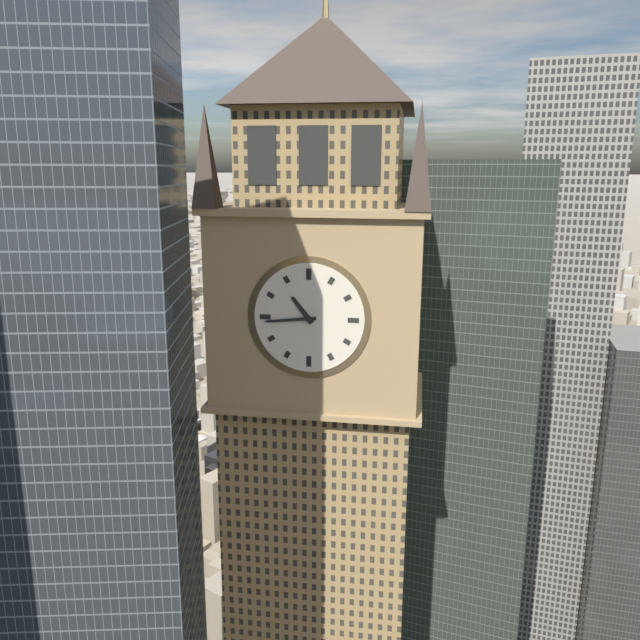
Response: 10:44
